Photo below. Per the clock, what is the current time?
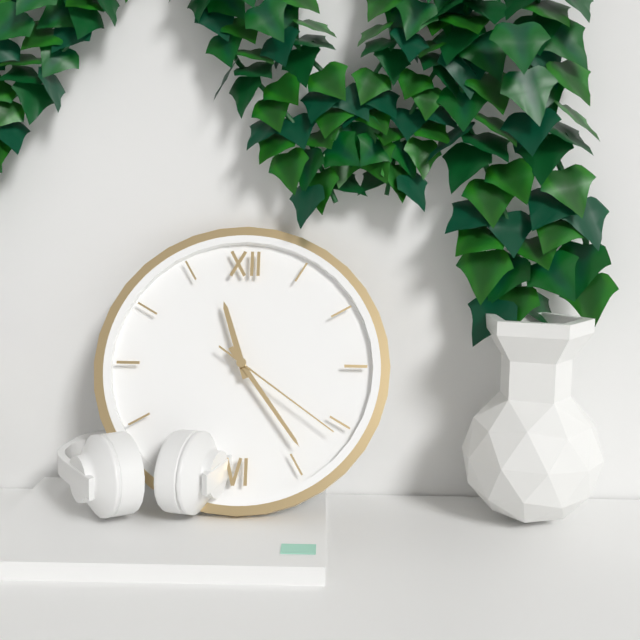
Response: 11:24:21
